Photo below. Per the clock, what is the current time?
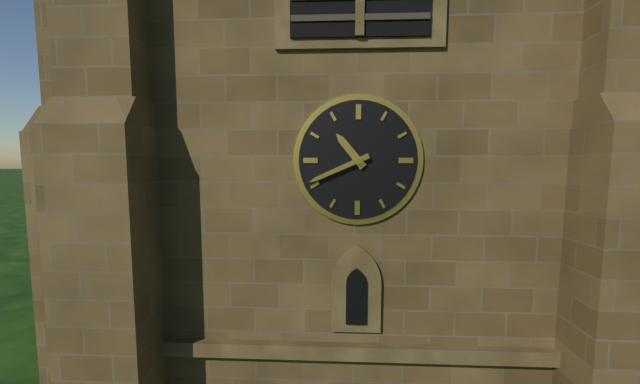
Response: 10:41
